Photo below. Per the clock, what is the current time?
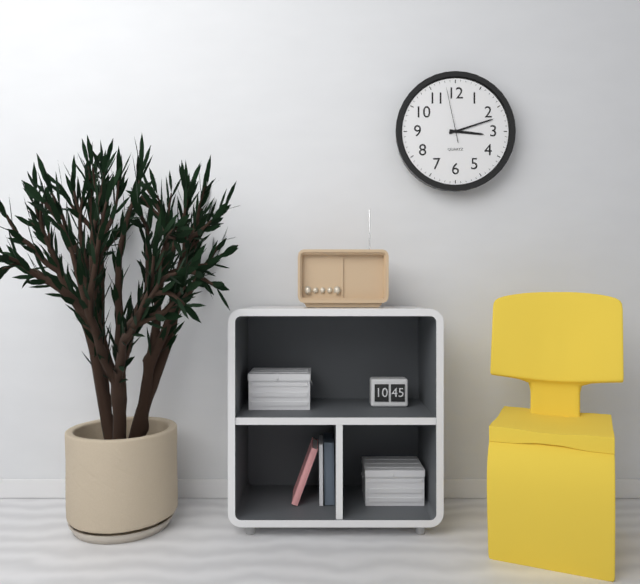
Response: 3:12:58
